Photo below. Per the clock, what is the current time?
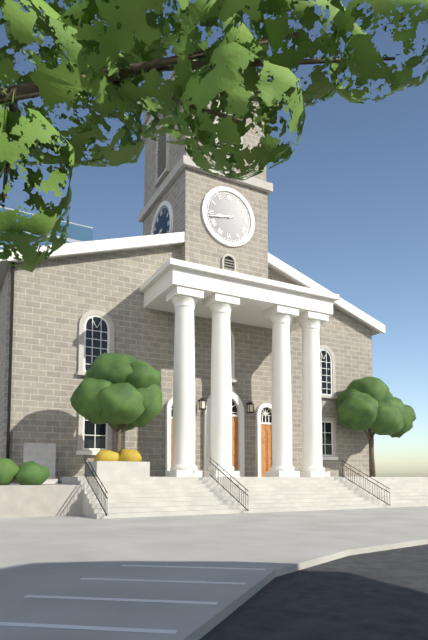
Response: 8:43
